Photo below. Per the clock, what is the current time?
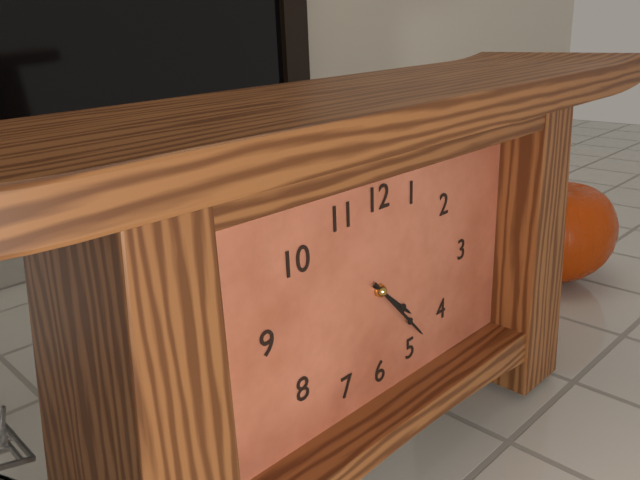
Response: 4:23
